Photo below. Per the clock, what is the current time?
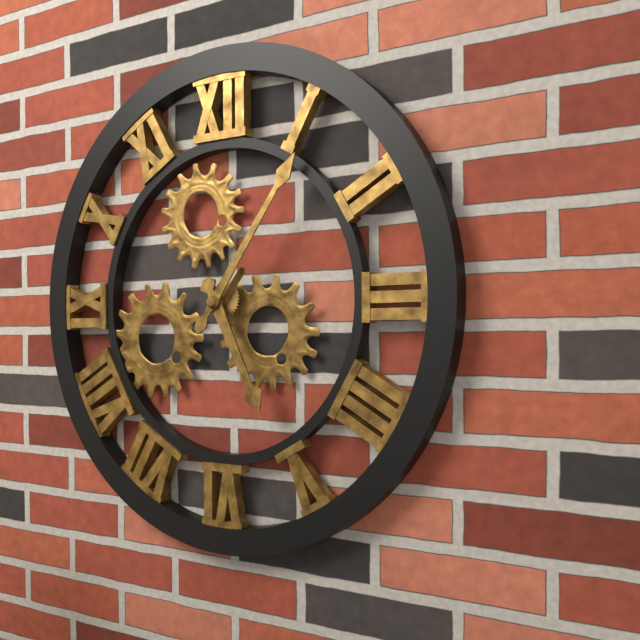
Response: 5:06
